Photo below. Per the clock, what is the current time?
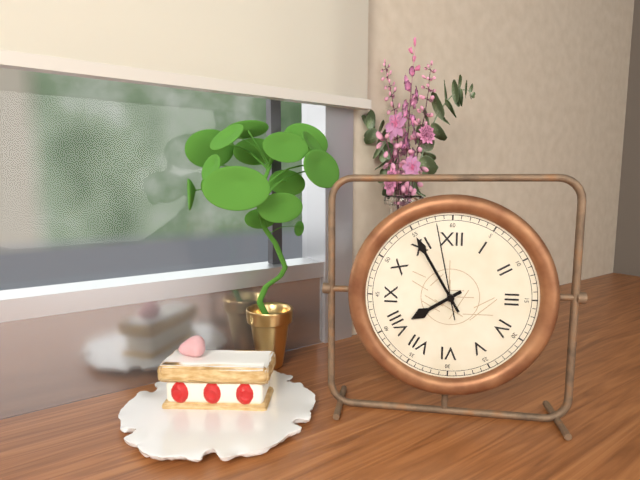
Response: 7:55:58
